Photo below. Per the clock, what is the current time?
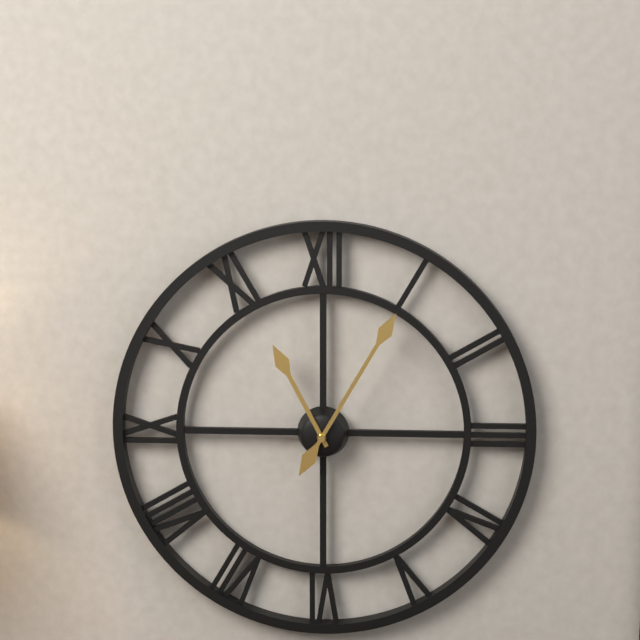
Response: 11:05
